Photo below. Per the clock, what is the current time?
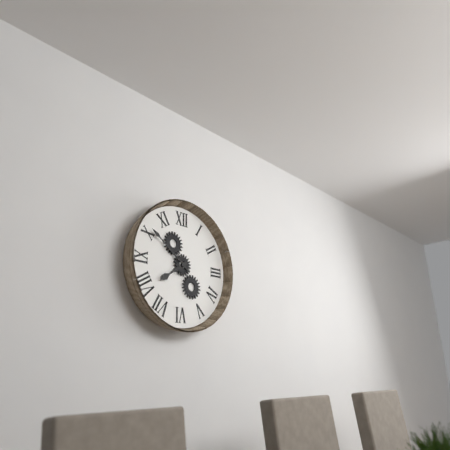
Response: 7:51
